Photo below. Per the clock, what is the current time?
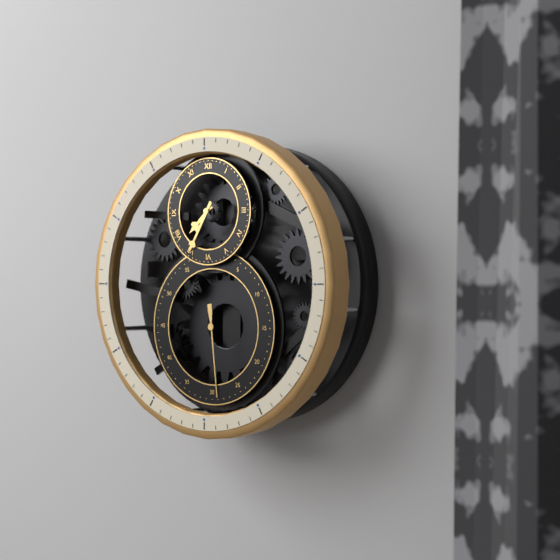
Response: 7:35:29
